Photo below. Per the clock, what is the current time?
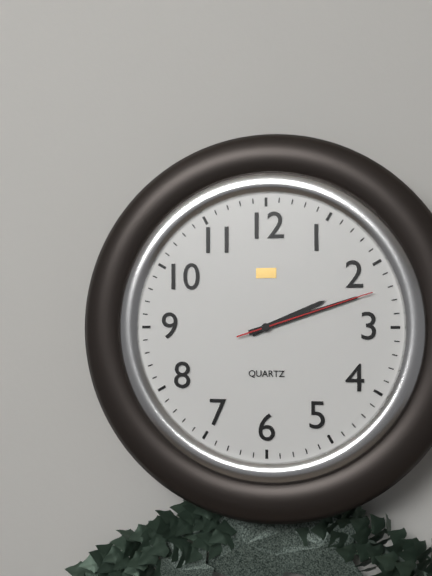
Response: 2:12:12
